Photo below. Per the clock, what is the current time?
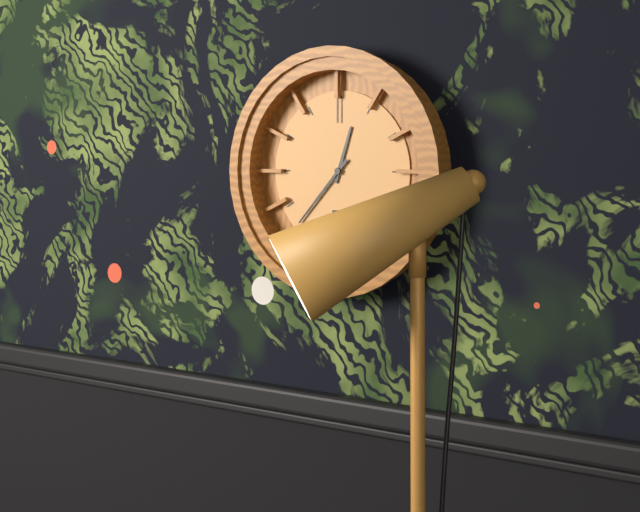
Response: 12:37
